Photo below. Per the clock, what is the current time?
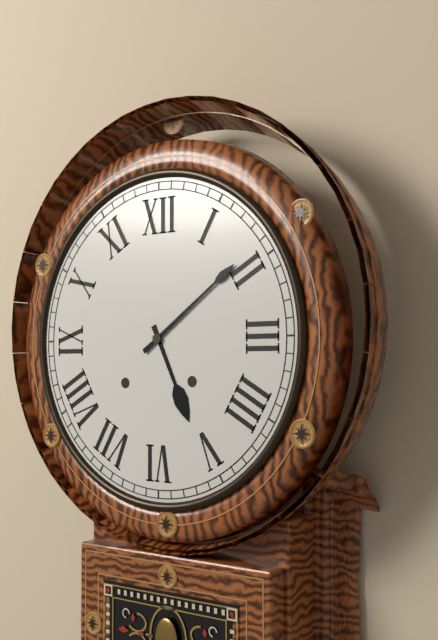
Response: 5:09
